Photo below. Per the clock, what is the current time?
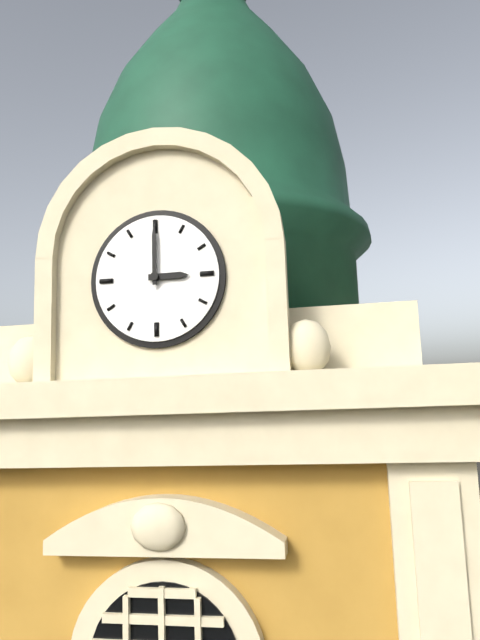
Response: 3:00
